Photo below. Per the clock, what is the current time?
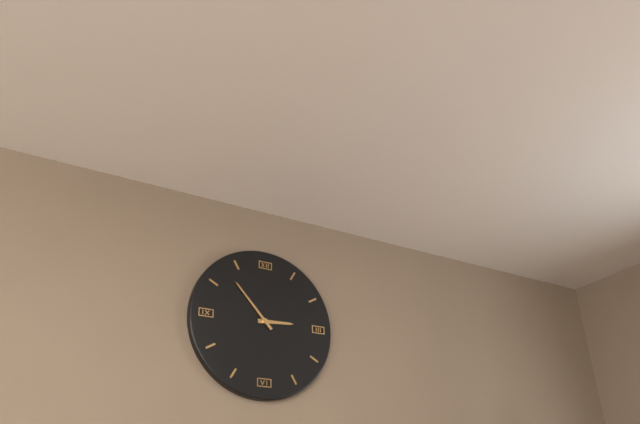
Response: 2:53
